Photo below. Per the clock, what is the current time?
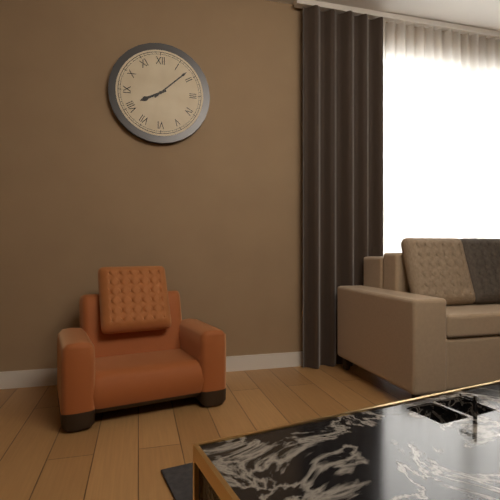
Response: 8:08
